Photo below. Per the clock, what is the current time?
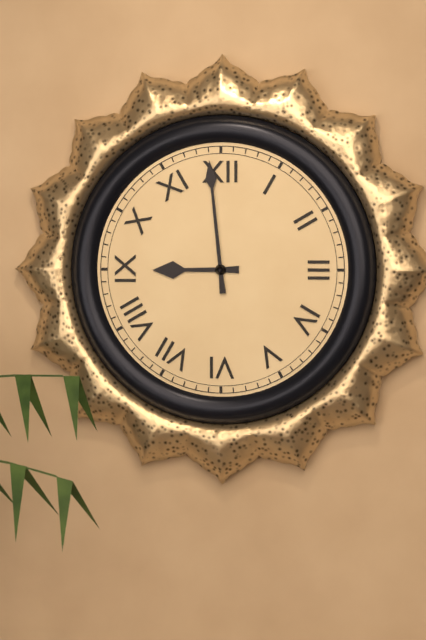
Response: 8:59
